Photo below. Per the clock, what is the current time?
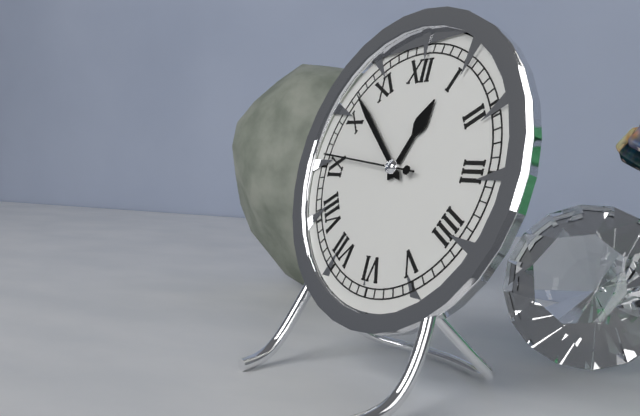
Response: 12:52:46
